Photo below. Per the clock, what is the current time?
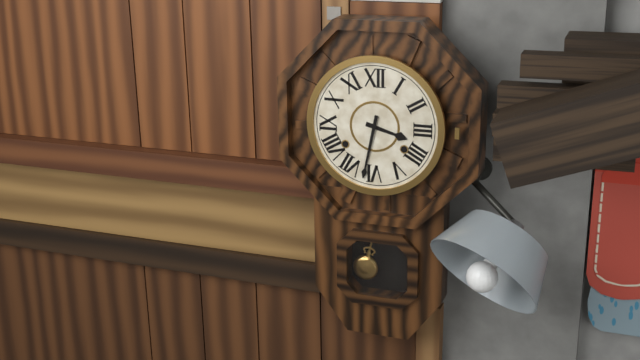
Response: 3:32
